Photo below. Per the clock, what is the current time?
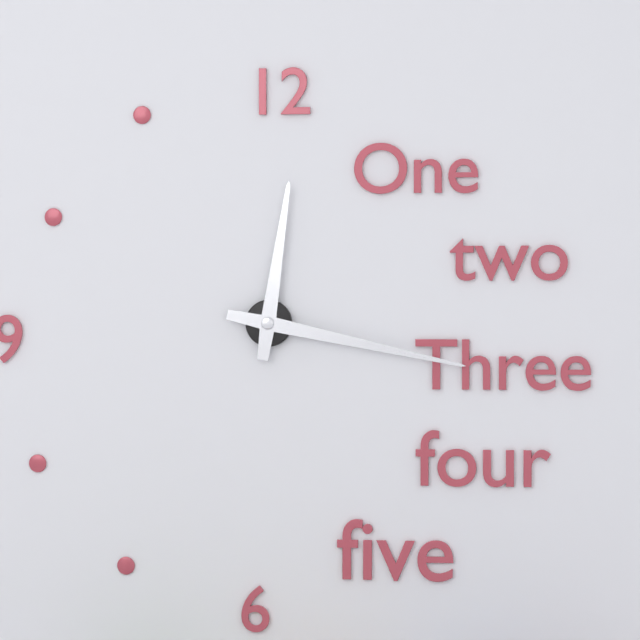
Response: 12:17
